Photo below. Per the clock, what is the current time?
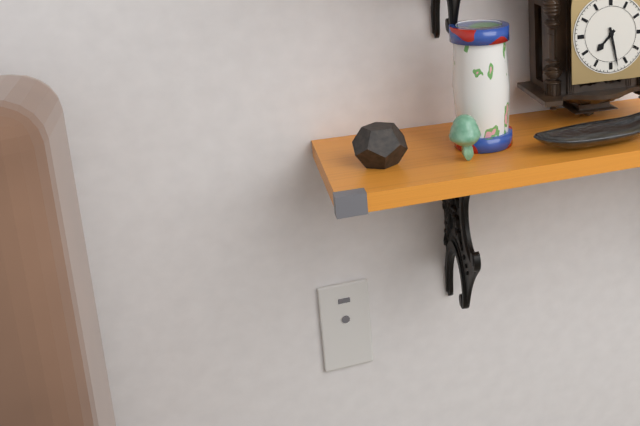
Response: 7:28
